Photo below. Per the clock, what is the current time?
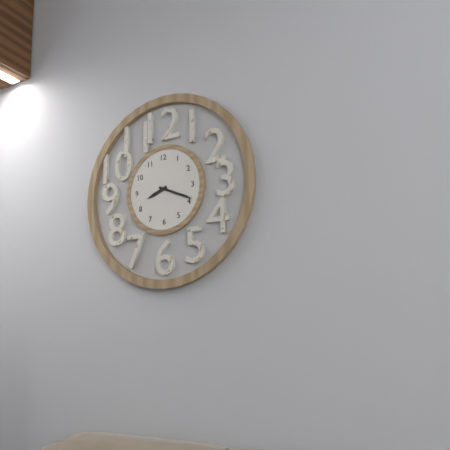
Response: 8:19
